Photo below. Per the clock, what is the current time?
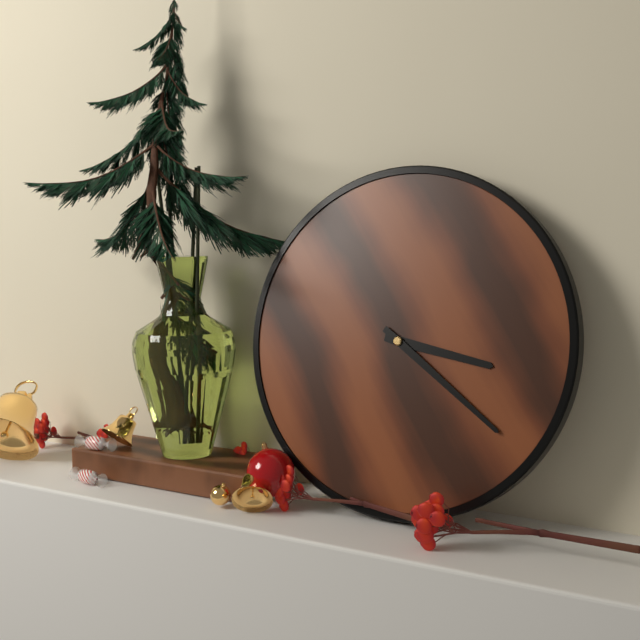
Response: 3:21
